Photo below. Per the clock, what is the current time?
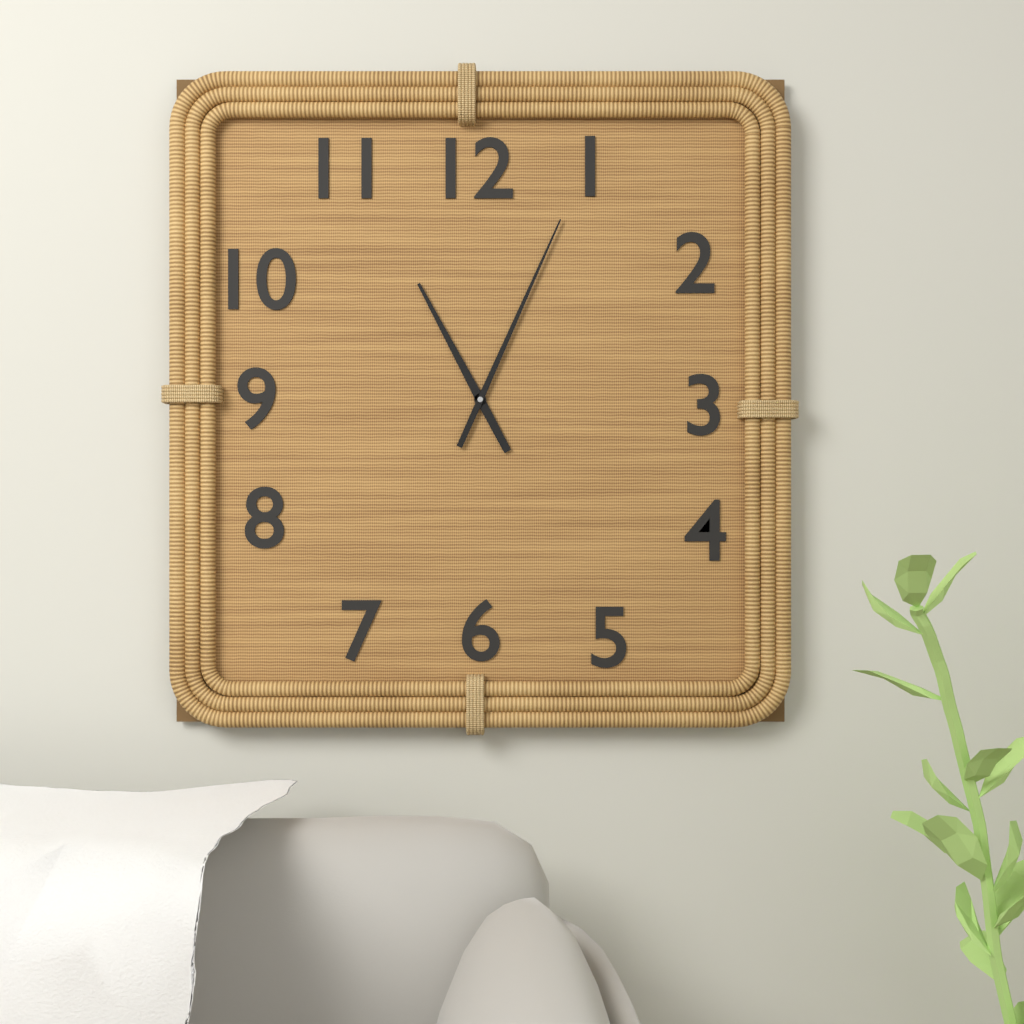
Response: 11:04
